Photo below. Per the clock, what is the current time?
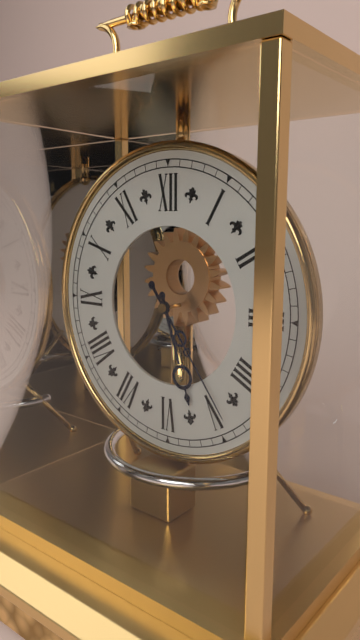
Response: 5:24
